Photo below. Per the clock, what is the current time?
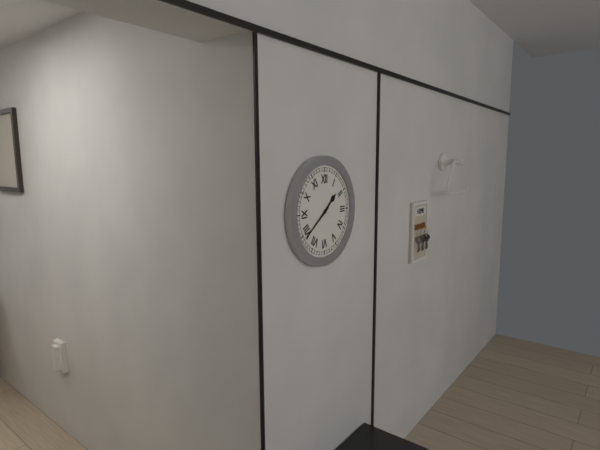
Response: 1:39
